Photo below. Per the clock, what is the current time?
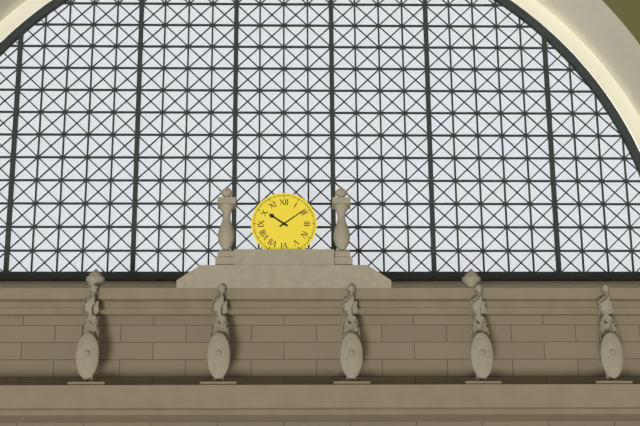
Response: 10:09
